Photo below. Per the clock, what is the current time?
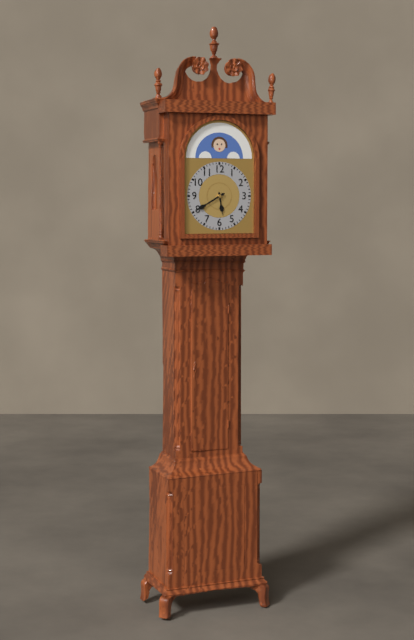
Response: 5:40
